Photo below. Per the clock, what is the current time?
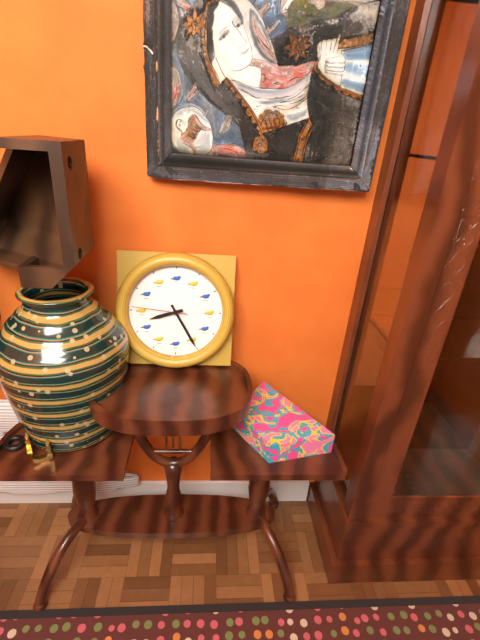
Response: 8:25:46
